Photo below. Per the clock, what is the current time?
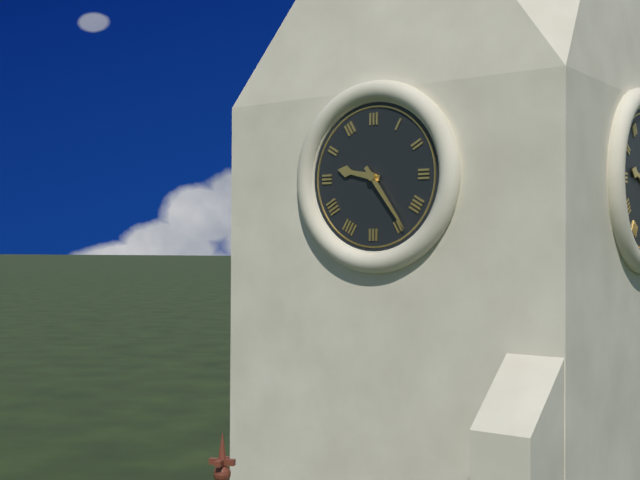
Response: 9:24
